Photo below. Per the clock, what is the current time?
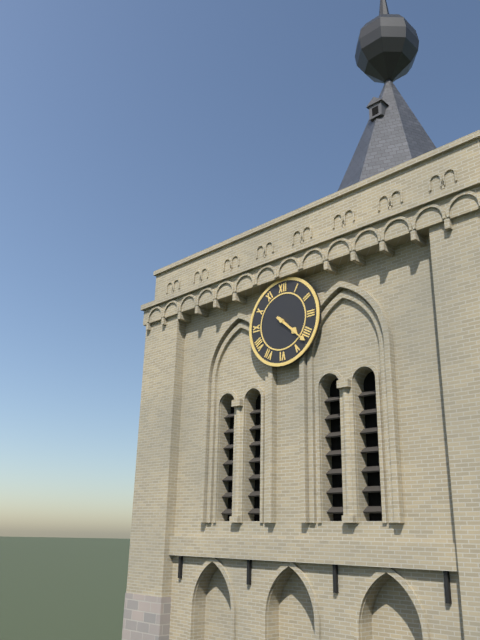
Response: 4:22
